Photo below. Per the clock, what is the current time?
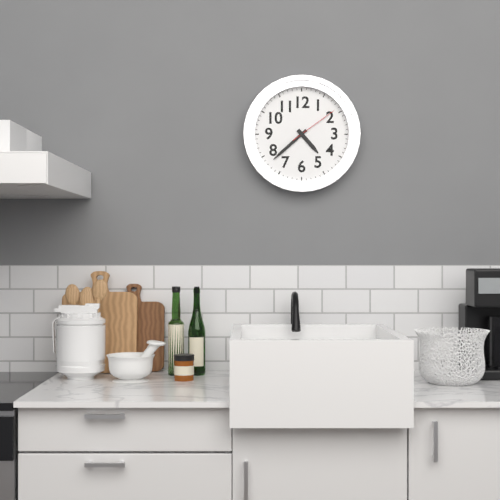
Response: 4:38:09
